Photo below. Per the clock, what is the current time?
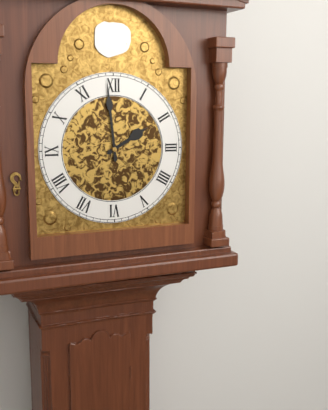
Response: 1:59
